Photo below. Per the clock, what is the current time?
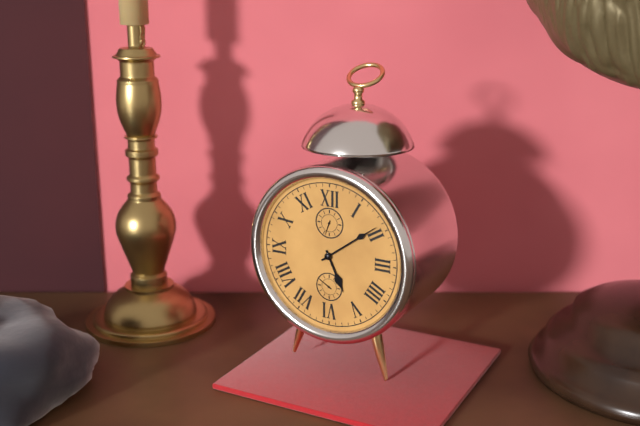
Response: 5:09
